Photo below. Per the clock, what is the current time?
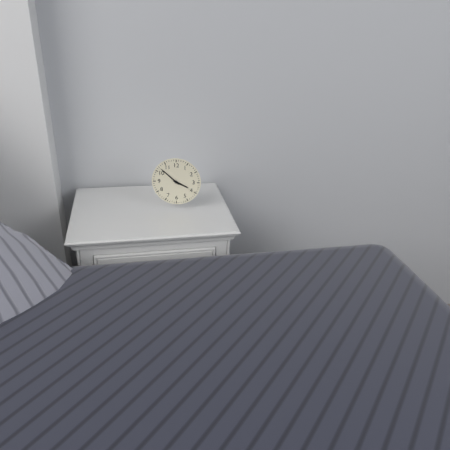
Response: 3:52
